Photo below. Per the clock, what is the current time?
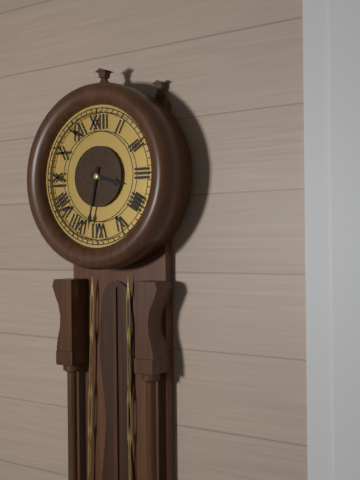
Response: 3:32
